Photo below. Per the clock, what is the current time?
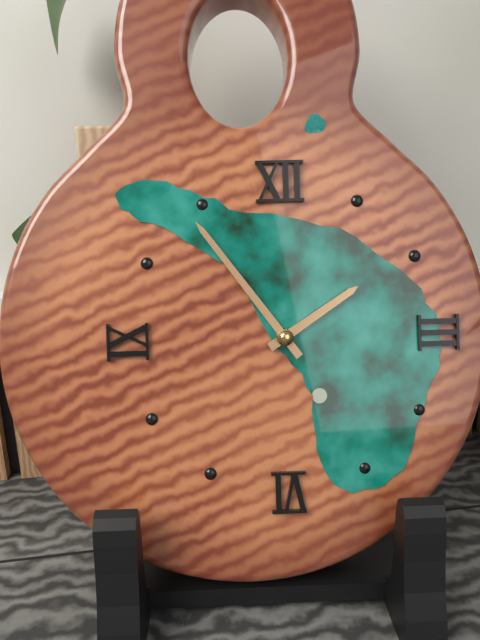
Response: 1:54
